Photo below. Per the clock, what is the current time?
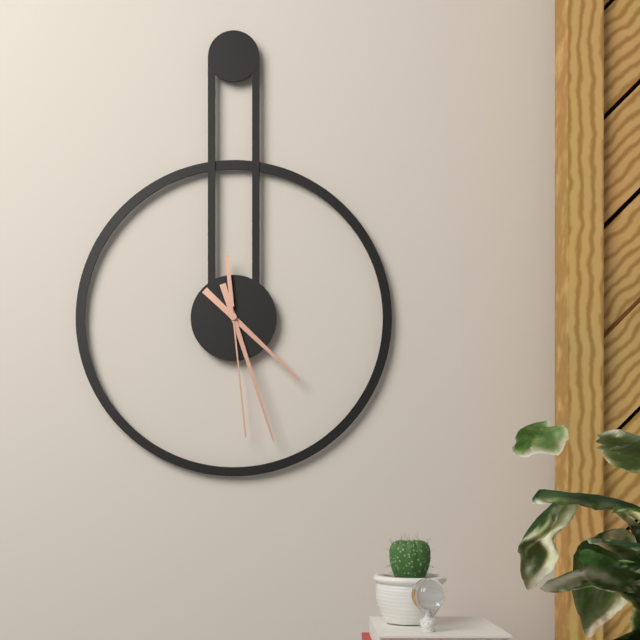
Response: 4:27:29
